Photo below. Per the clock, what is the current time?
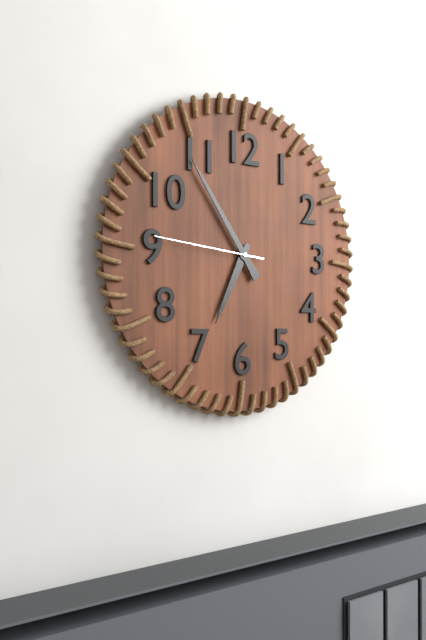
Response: 6:54:46
